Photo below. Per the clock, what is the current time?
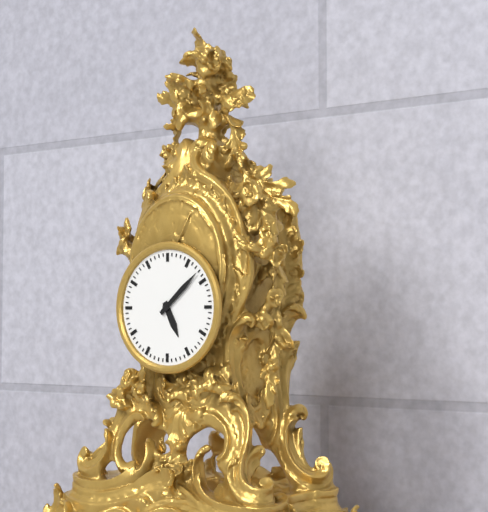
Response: 5:08
